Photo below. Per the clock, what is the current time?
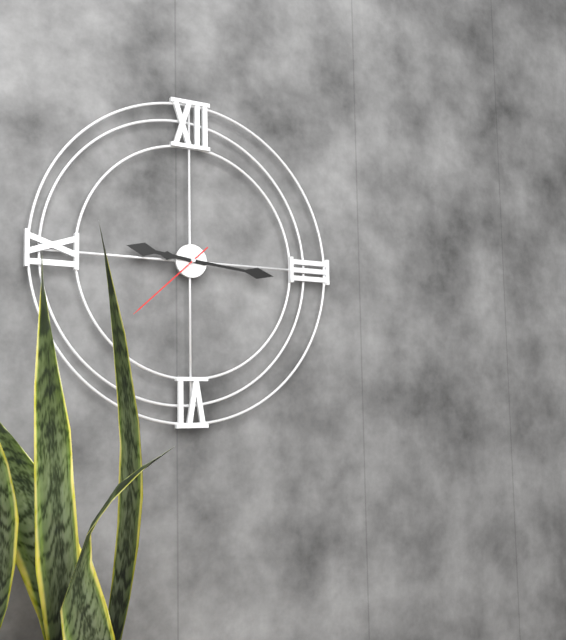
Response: 9:16:38
